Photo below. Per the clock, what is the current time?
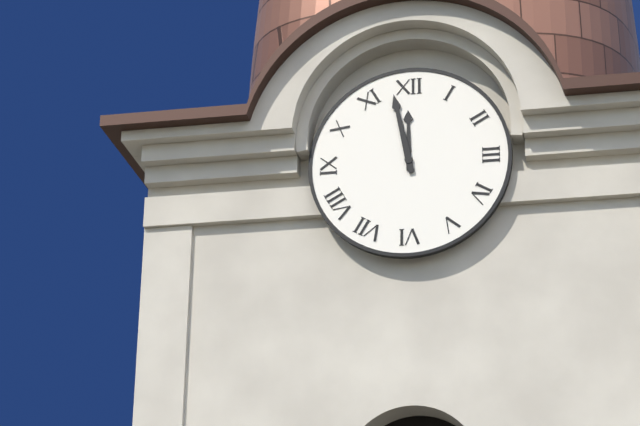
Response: 11:58
